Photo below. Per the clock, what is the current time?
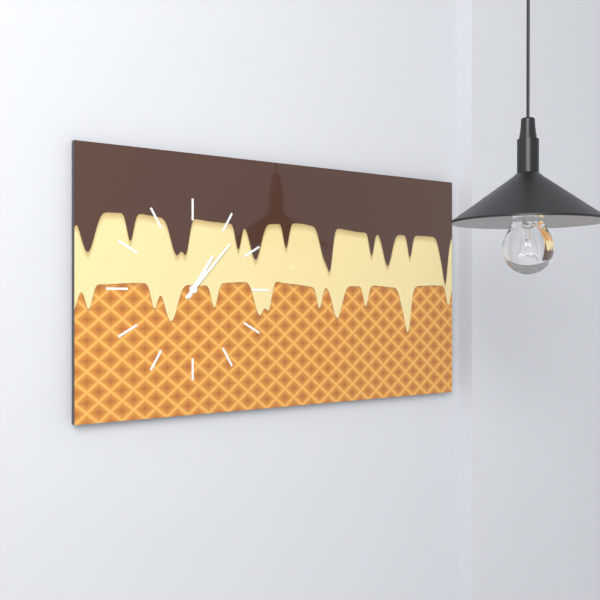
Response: 1:07
